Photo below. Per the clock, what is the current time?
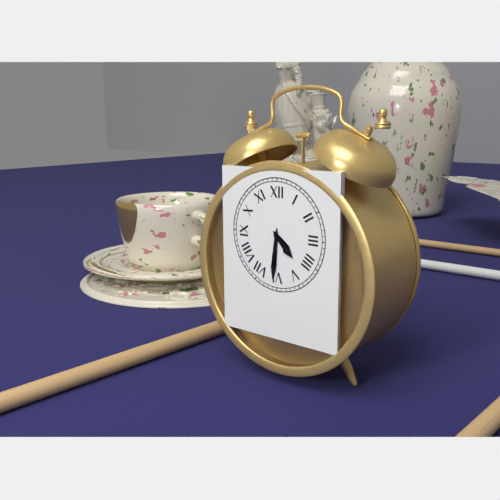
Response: 4:31
